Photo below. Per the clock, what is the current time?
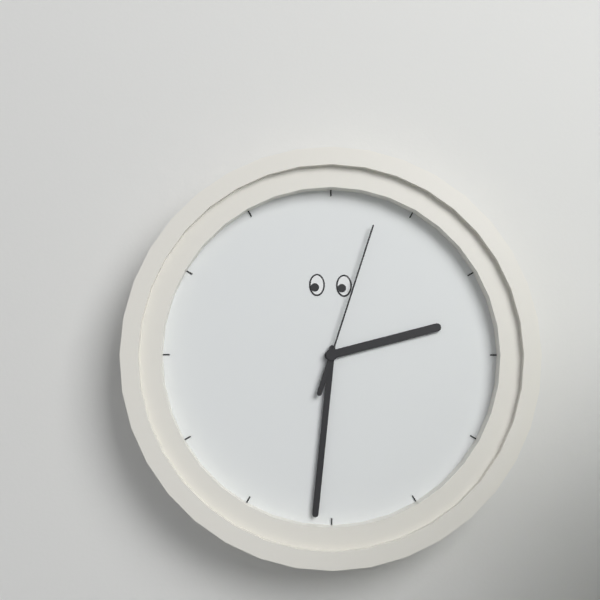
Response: 2:31:03
